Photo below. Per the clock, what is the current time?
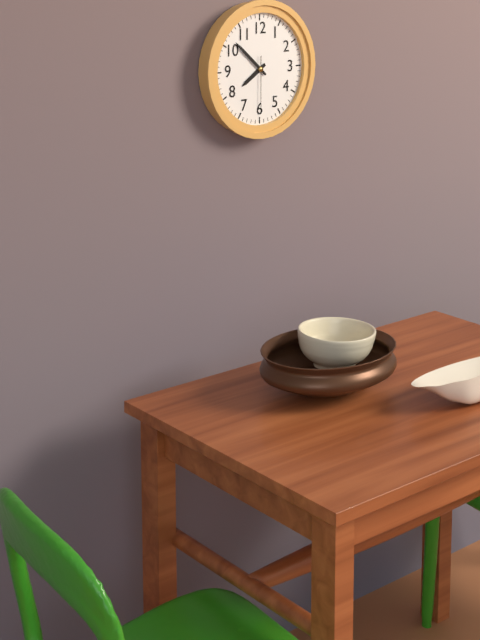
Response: 7:52:30
